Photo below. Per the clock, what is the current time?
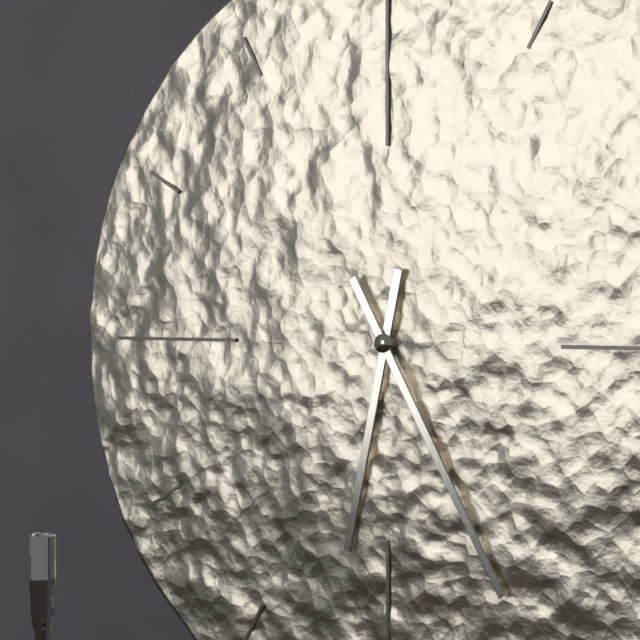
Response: 6:25
